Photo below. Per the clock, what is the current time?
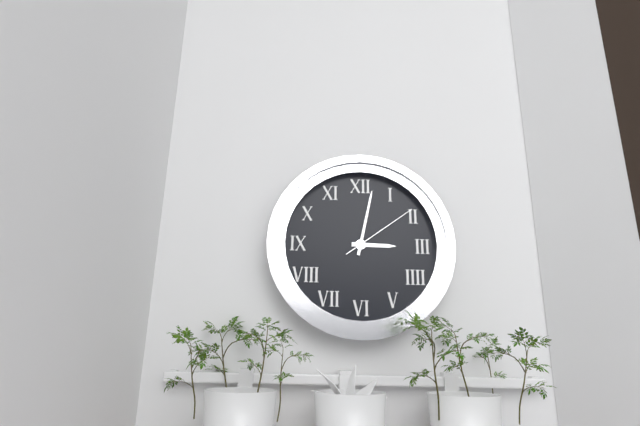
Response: 3:02:09
